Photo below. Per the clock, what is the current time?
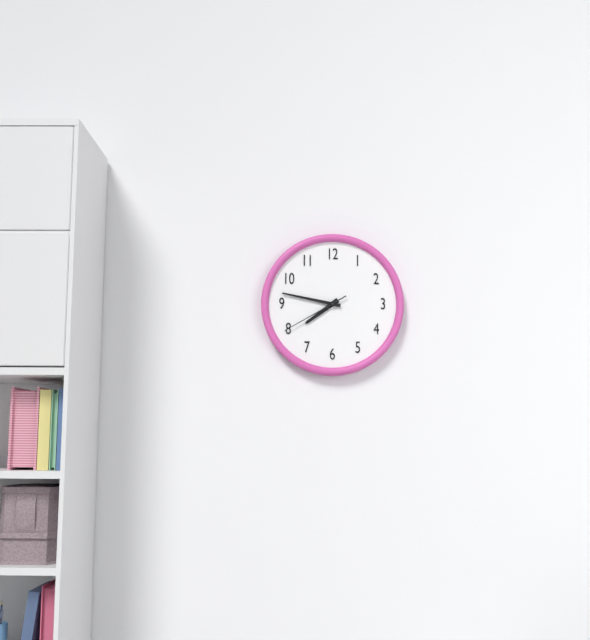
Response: 7:47:40
